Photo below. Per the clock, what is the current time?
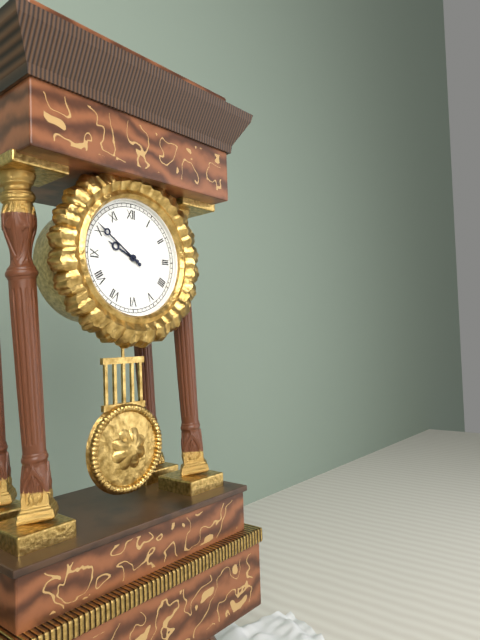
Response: 9:51
